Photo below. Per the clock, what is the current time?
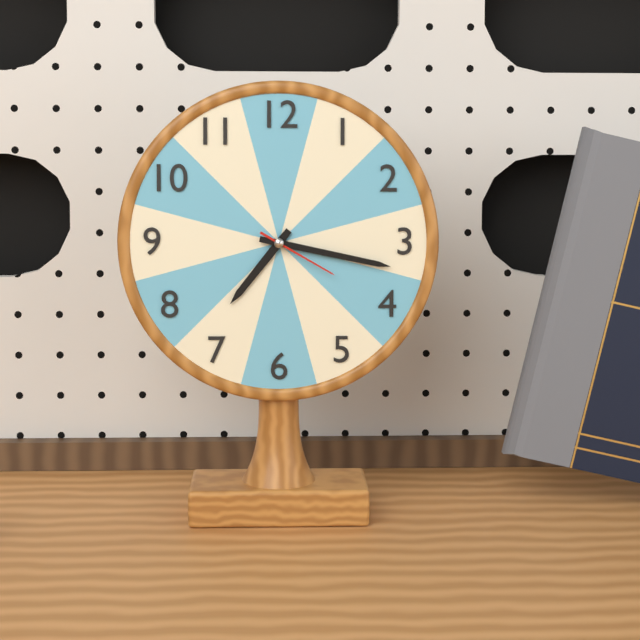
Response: 7:17:20
